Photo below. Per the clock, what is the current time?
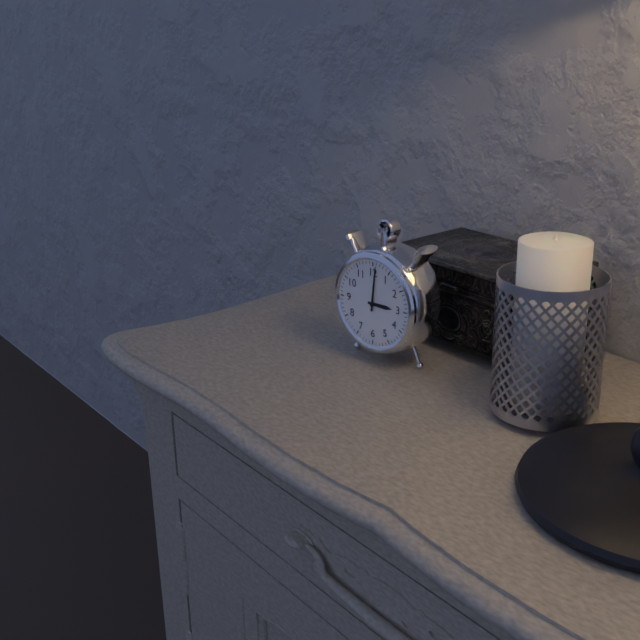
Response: 3:01
